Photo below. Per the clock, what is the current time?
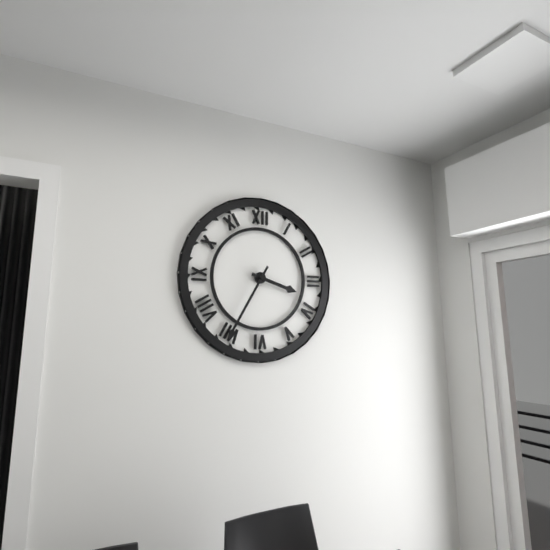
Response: 3:35
